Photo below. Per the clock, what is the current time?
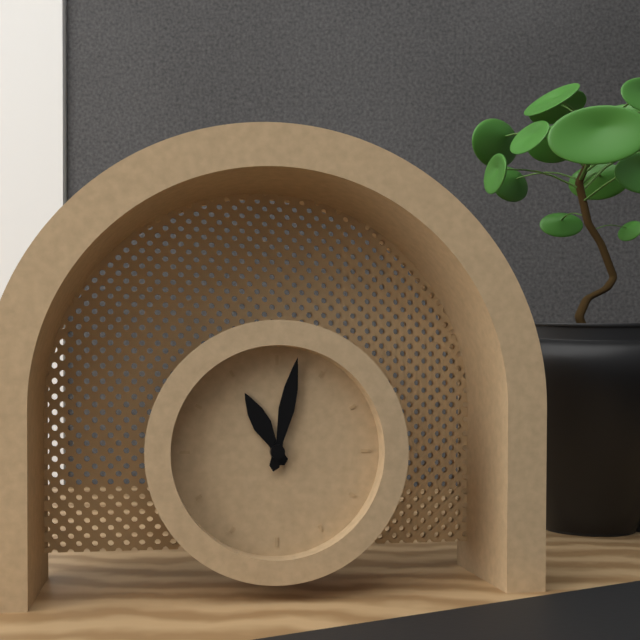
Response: 11:02
